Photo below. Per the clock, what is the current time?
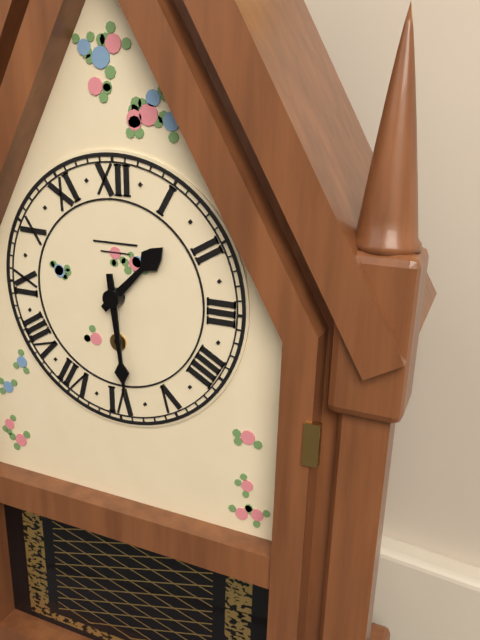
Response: 1:29
